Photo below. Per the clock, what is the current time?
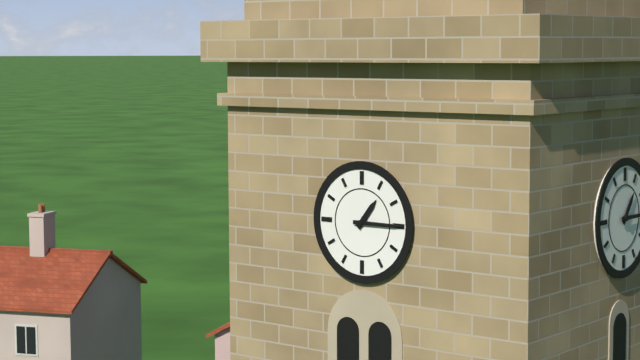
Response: 1:15
